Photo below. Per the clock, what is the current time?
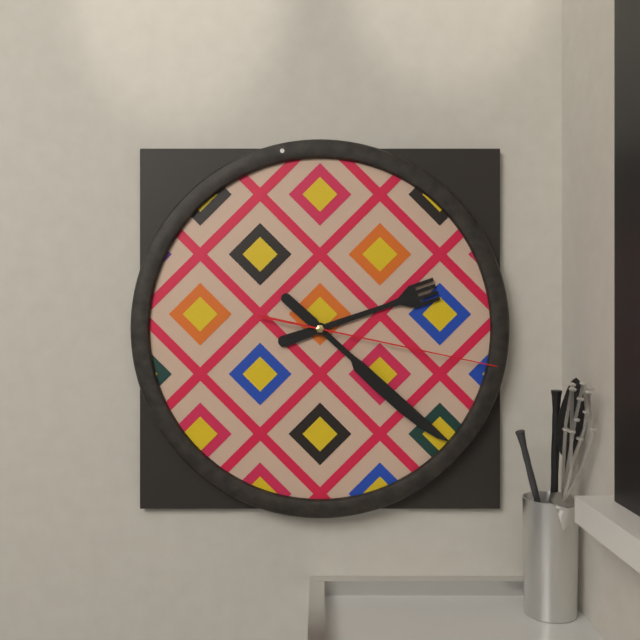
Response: 2:22:17
